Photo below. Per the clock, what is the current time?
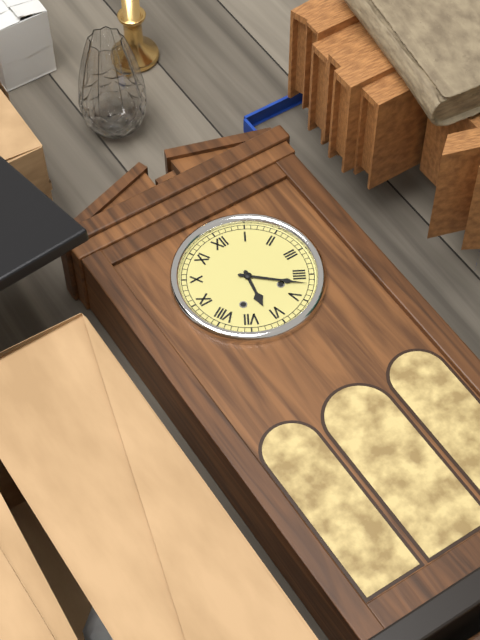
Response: 6:22
